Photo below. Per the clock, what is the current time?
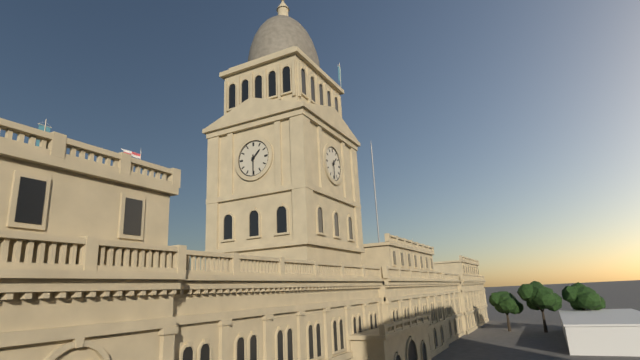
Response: 1:30
